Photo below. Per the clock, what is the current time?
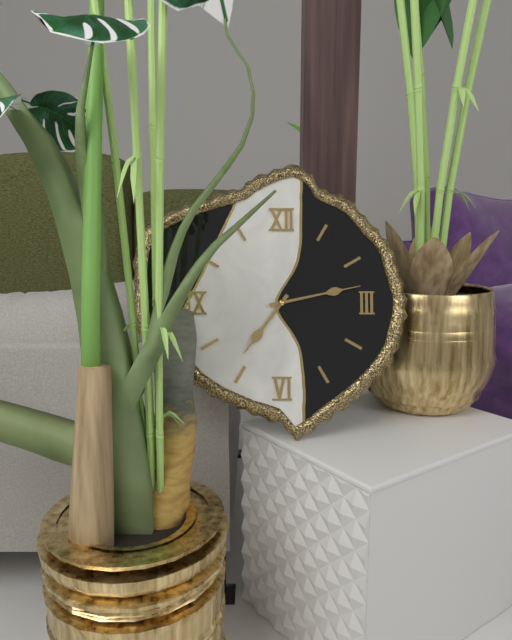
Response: 7:13
